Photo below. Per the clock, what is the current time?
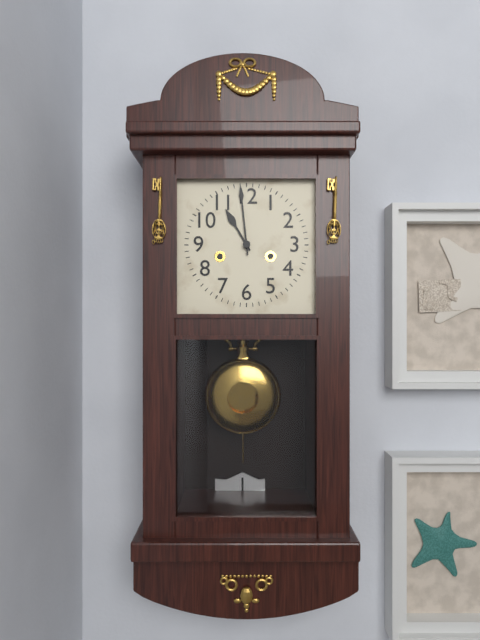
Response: 10:59
